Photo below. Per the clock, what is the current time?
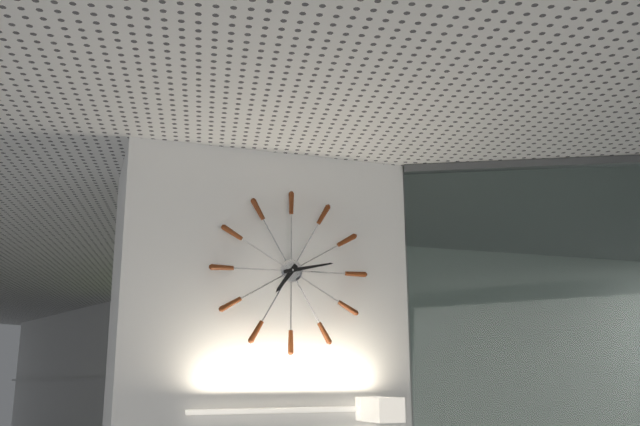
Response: 7:13
